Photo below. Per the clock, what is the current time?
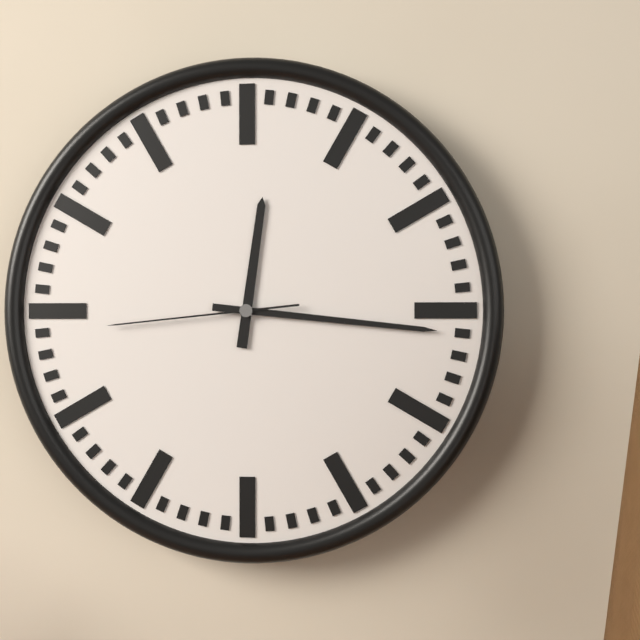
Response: 12:16:44
